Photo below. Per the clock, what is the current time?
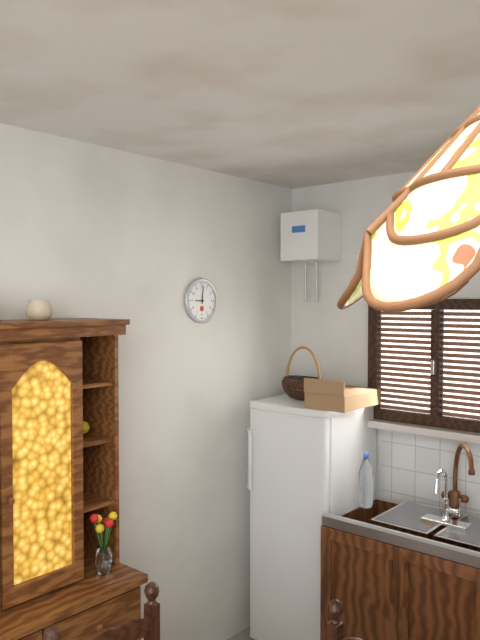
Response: 9:01
